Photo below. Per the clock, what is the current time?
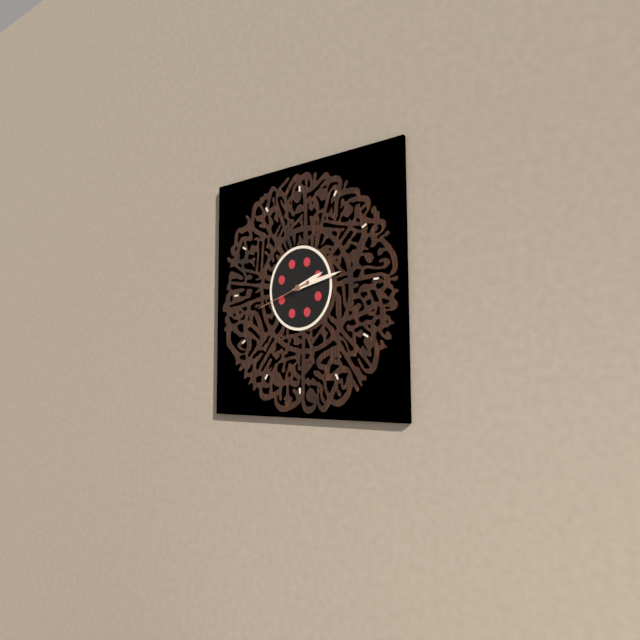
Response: 2:13:42
